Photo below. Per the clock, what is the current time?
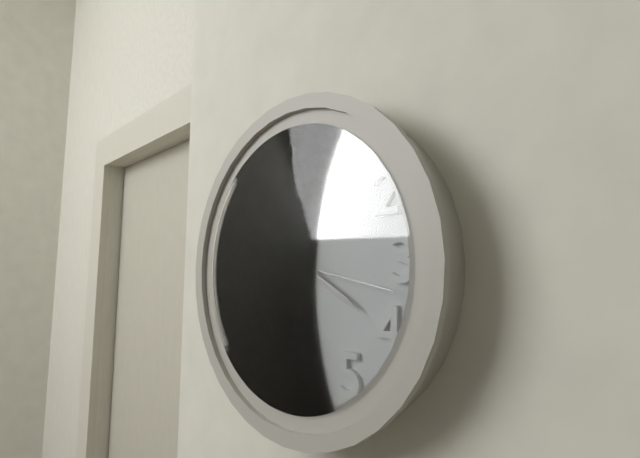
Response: 4:00:17
